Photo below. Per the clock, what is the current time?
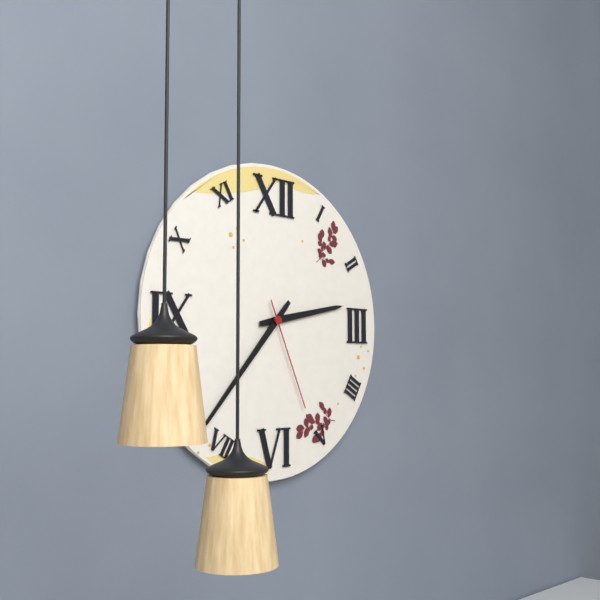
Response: 2:37:26
